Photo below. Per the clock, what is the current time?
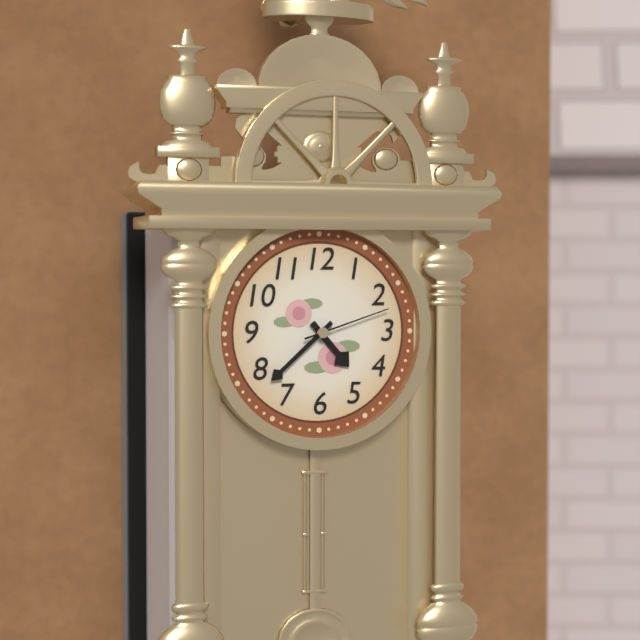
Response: 4:38:12
